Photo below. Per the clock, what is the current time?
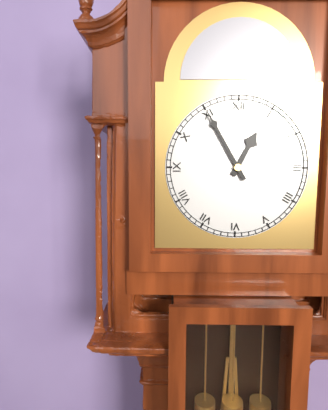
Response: 12:55
